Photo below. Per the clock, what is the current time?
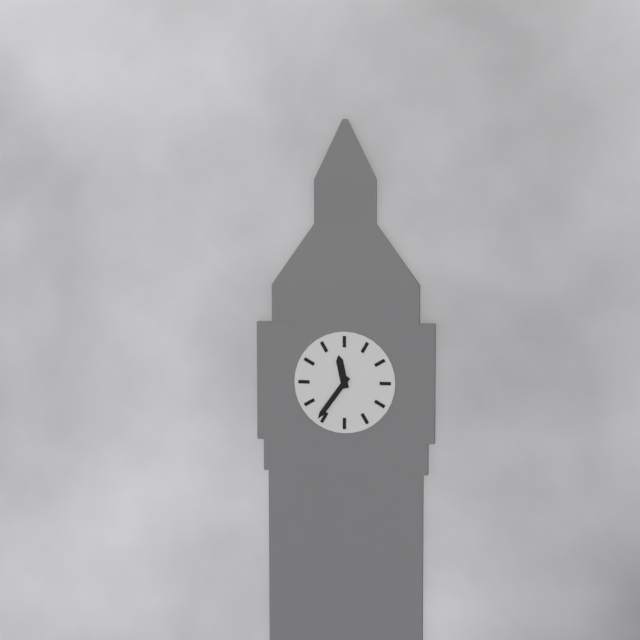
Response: 11:36
